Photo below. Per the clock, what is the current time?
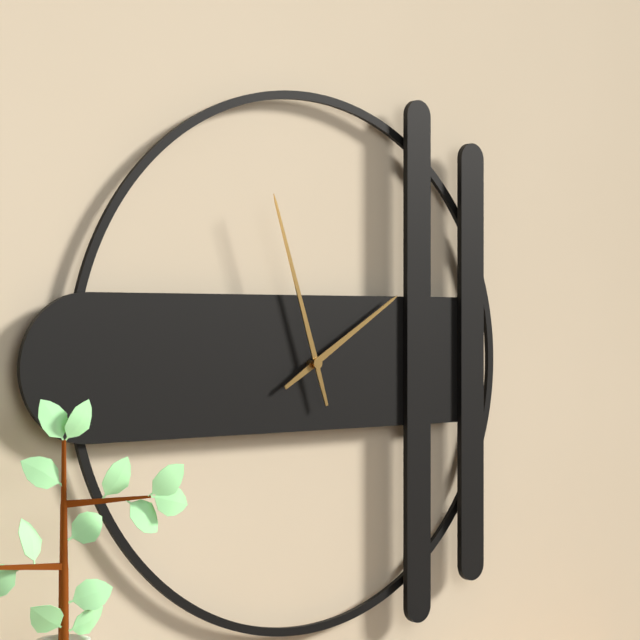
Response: 1:57
